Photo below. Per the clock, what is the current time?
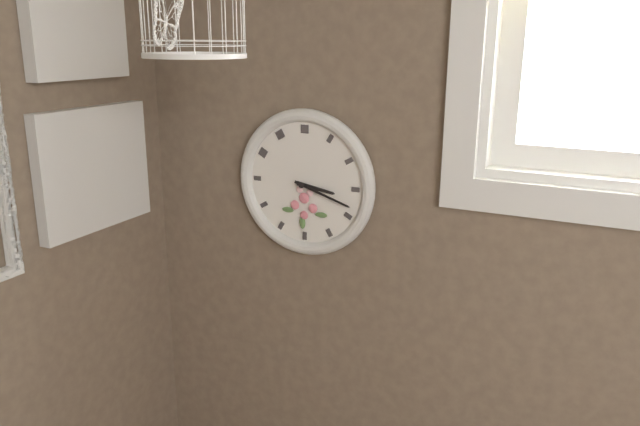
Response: 3:18
